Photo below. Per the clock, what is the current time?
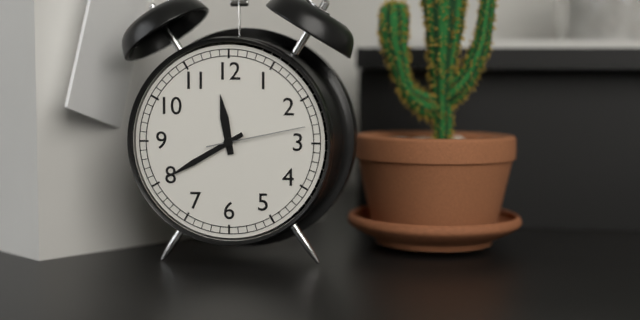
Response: 11:40:13
